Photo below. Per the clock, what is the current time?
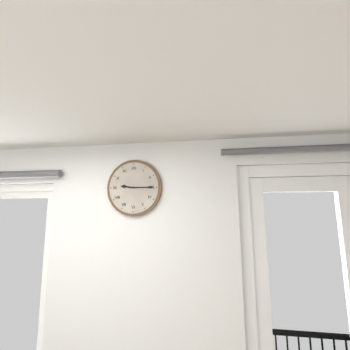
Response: 9:15
